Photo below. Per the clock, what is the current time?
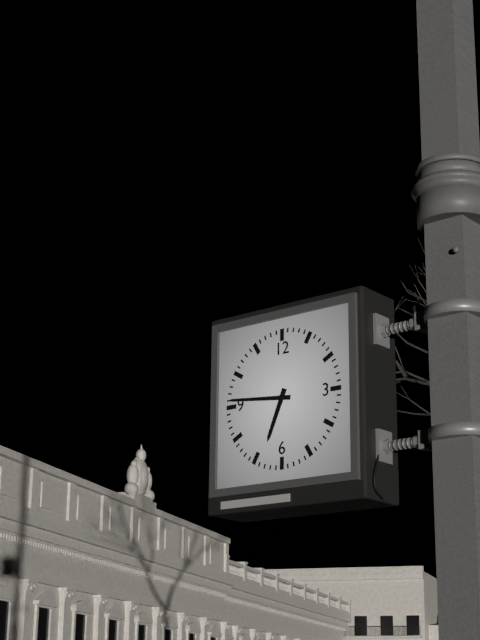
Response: 6:46
